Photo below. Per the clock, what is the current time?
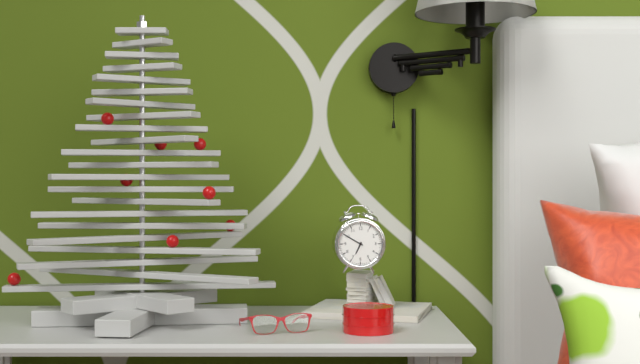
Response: 6:50
